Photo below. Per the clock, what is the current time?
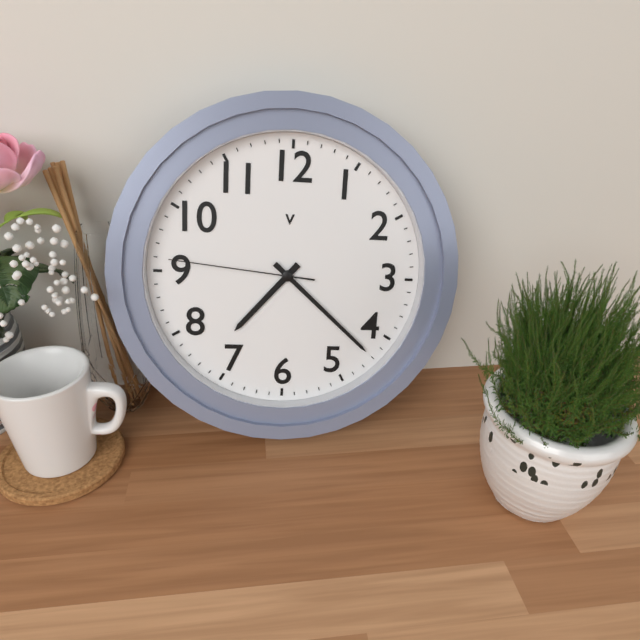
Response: 7:22:46
